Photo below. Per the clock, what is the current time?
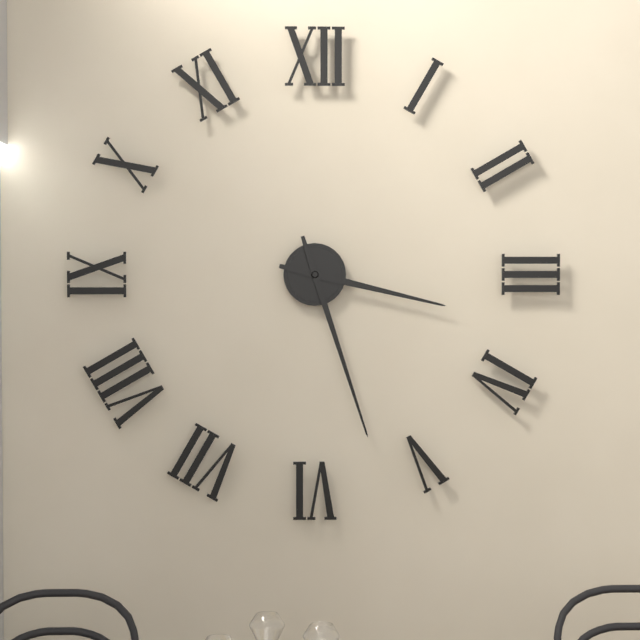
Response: 3:27
